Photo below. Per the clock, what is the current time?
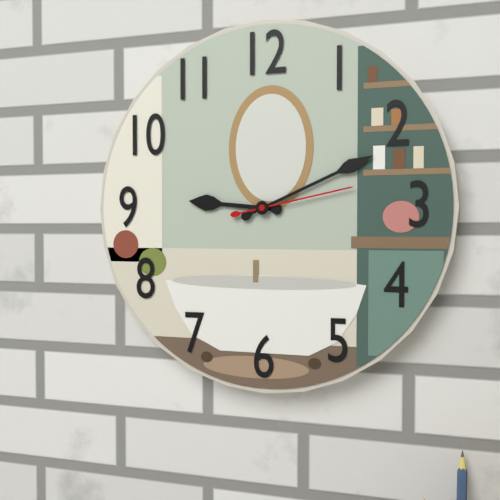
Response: 9:11:13
